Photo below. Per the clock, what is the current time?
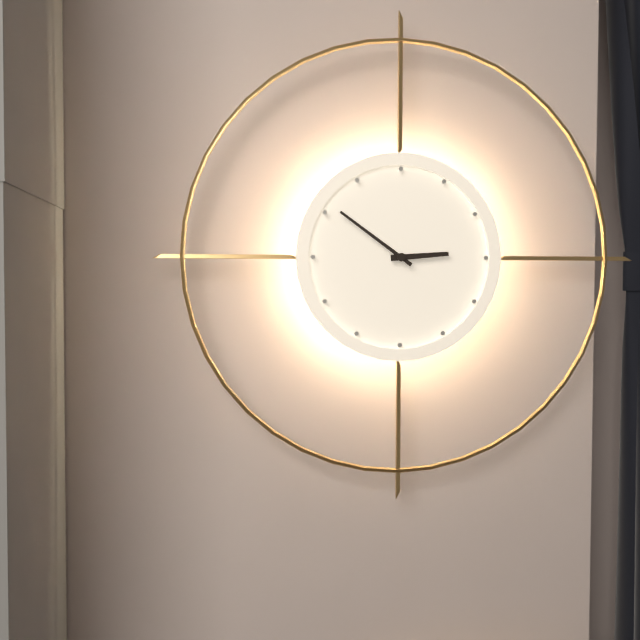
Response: 2:51
